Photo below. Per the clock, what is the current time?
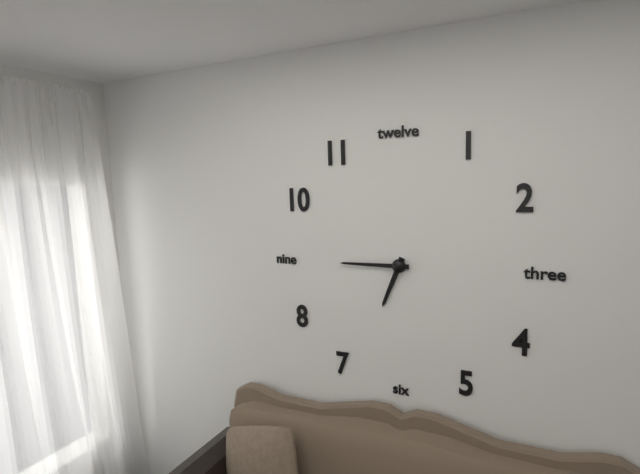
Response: 6:45
